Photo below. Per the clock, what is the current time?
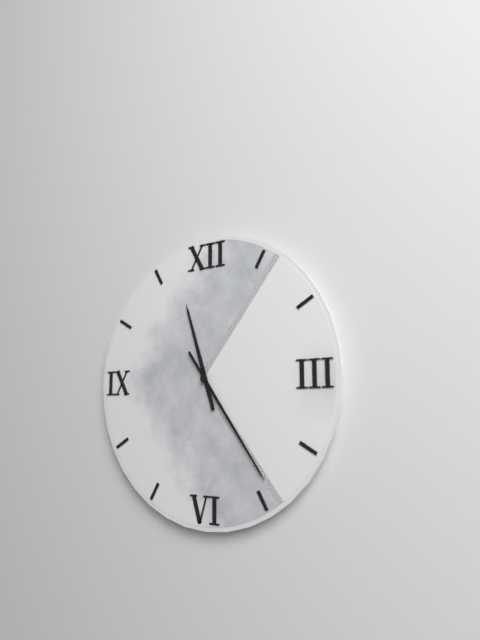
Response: 11:24
